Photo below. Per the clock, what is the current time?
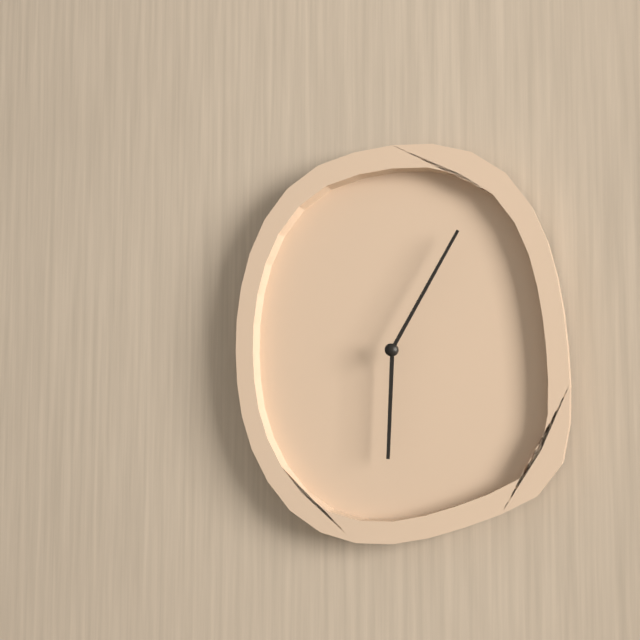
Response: 6:05
